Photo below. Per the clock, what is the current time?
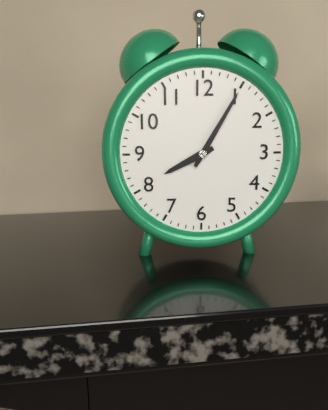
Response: 8:05
